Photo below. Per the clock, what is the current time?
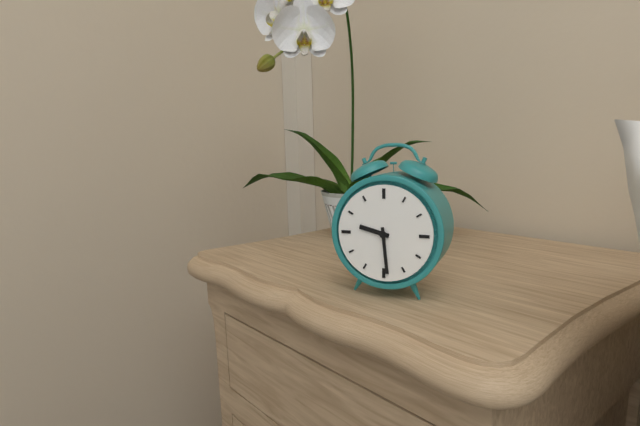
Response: 9:29
